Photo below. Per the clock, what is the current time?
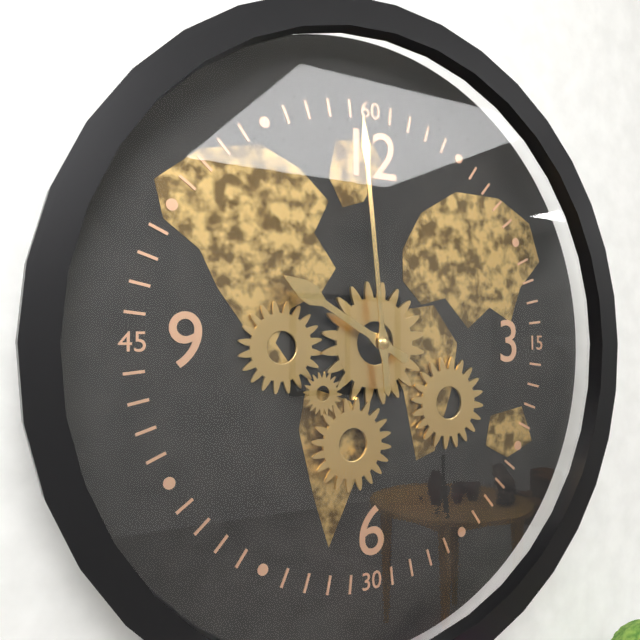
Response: 9:59
